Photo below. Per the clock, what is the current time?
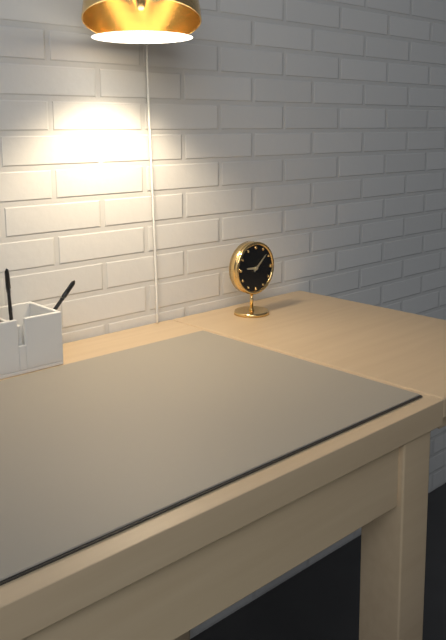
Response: 9:08
